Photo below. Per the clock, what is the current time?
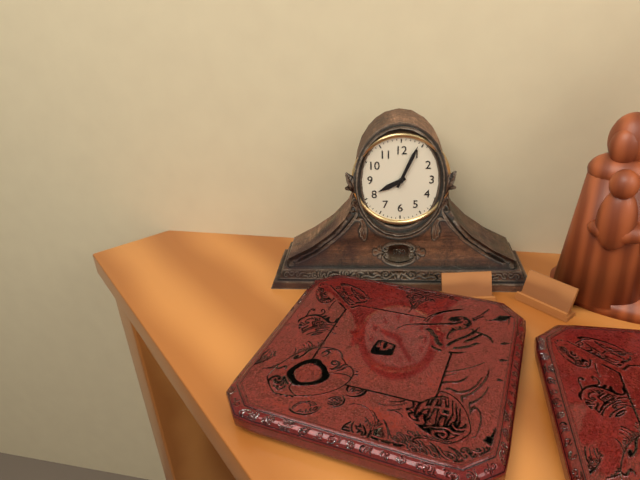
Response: 8:04
